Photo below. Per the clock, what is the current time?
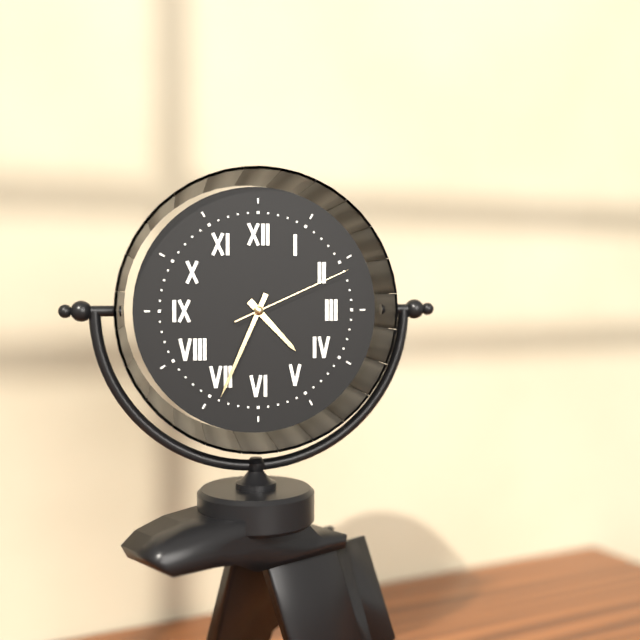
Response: 4:34:11
